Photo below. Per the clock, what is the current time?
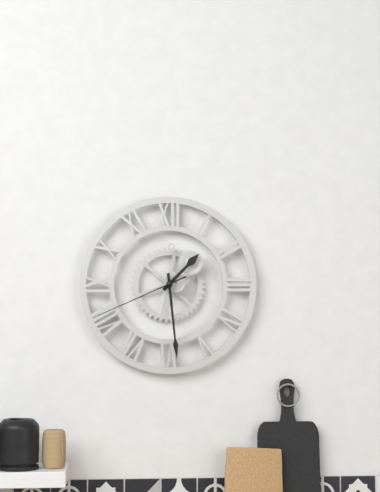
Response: 1:29:41
